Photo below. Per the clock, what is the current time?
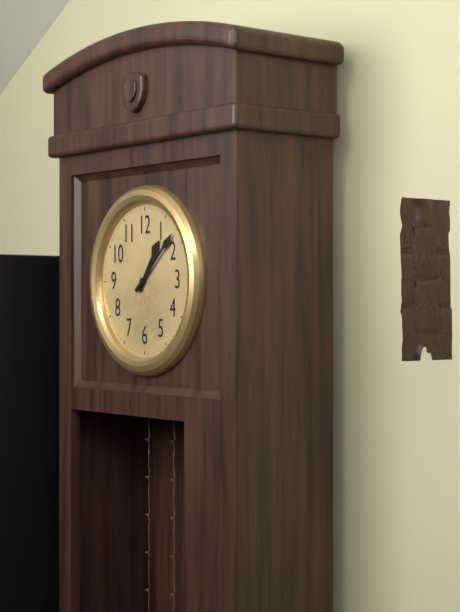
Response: 1:08
